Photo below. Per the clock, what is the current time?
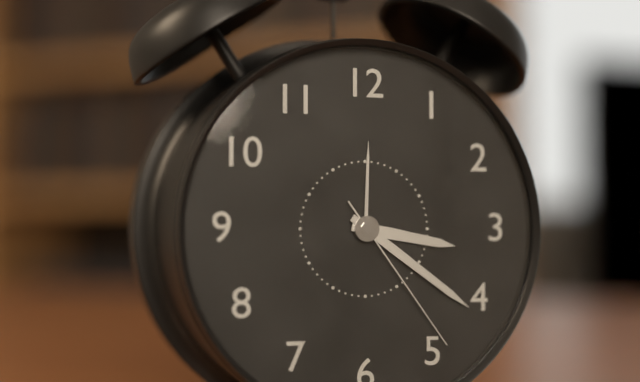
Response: 3:21:24
